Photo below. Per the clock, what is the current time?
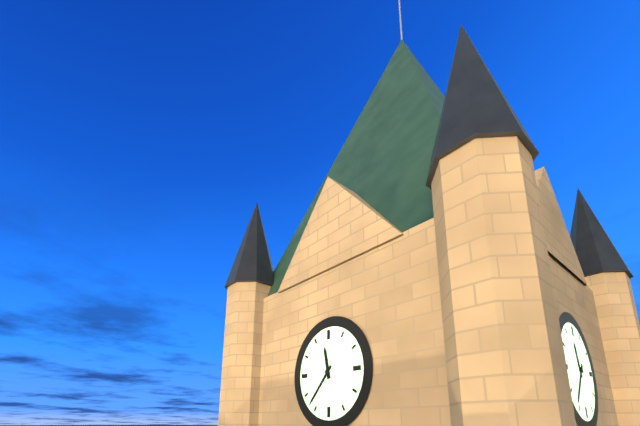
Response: 11:37
